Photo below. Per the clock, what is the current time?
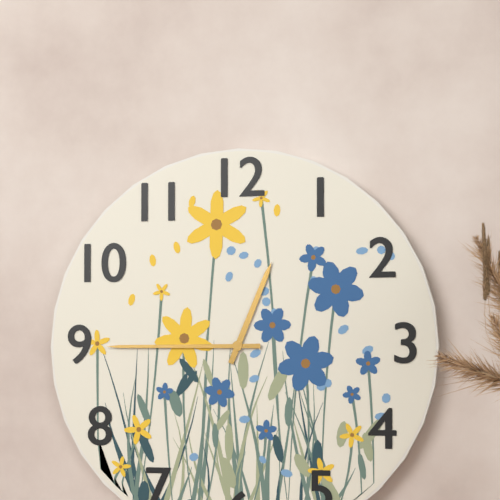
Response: 12:45
